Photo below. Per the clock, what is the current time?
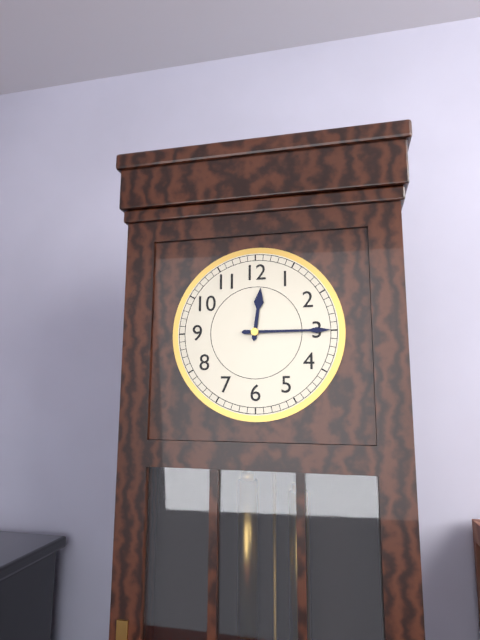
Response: 12:15
